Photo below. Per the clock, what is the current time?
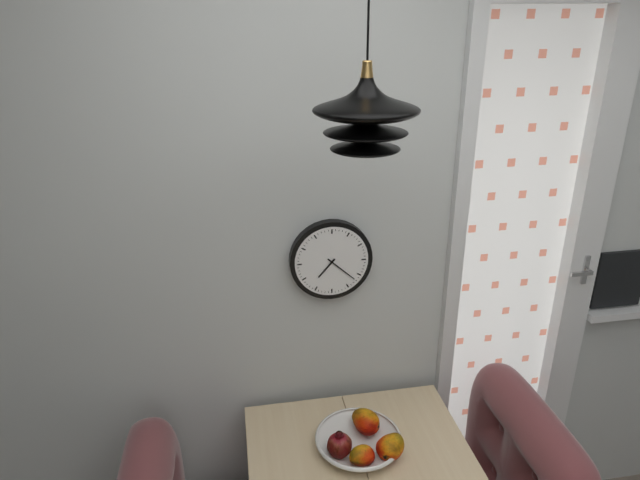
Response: 7:22
